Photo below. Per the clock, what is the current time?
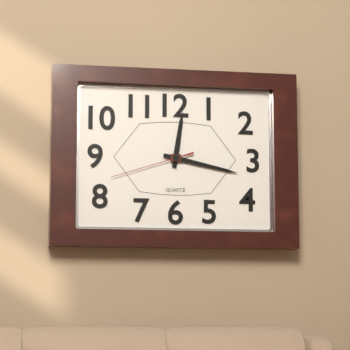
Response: 12:17:42
